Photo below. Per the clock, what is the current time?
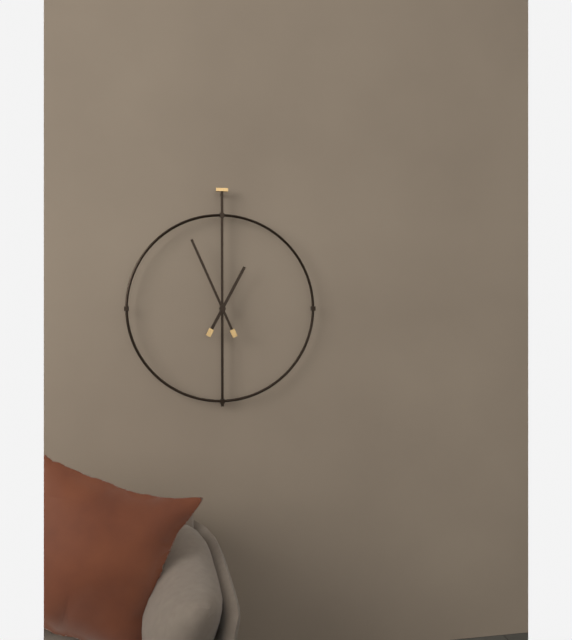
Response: 12:56
